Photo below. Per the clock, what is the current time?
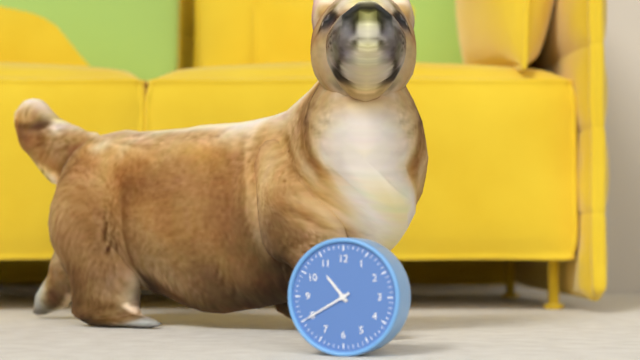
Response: 10:40
